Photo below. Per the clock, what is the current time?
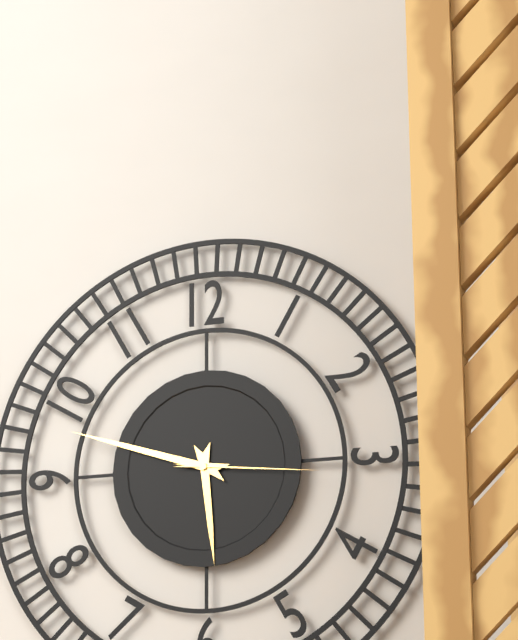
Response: 5:48:16
